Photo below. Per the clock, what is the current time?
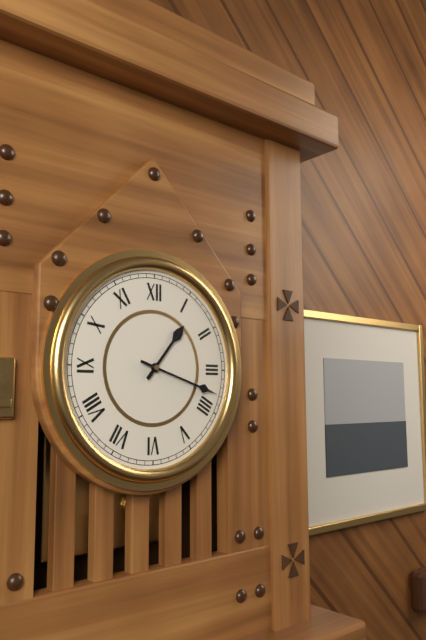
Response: 1:18
